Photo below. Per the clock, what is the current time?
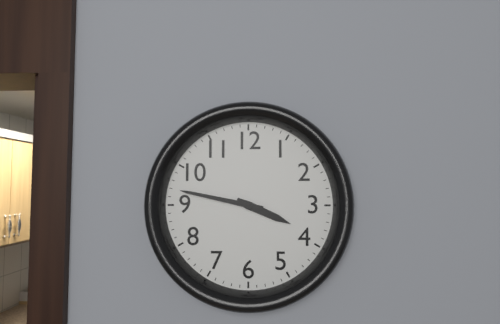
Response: 3:47
